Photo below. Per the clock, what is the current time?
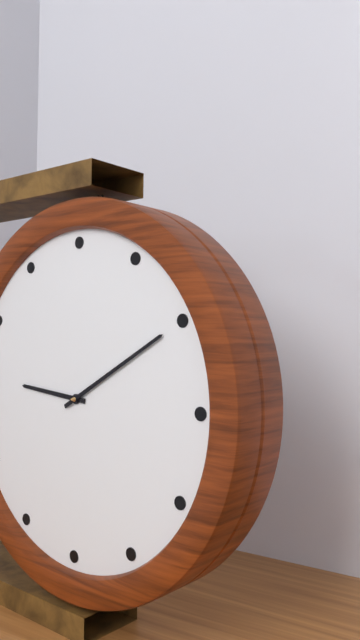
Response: 9:10
